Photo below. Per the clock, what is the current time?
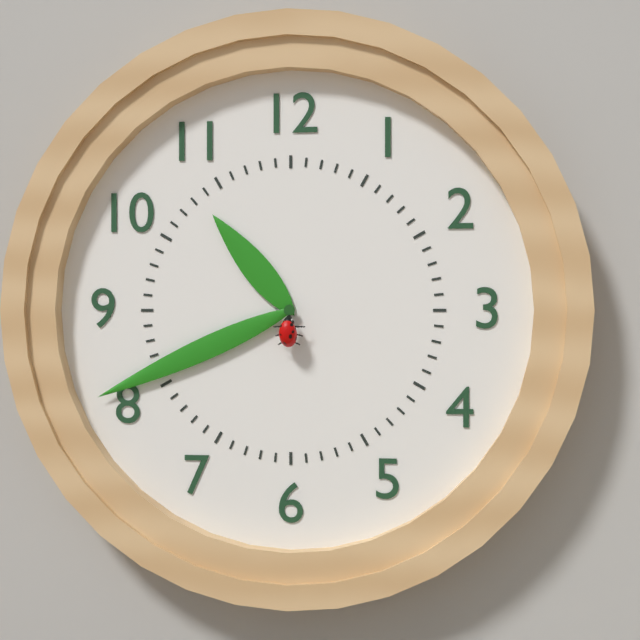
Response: 10:41
